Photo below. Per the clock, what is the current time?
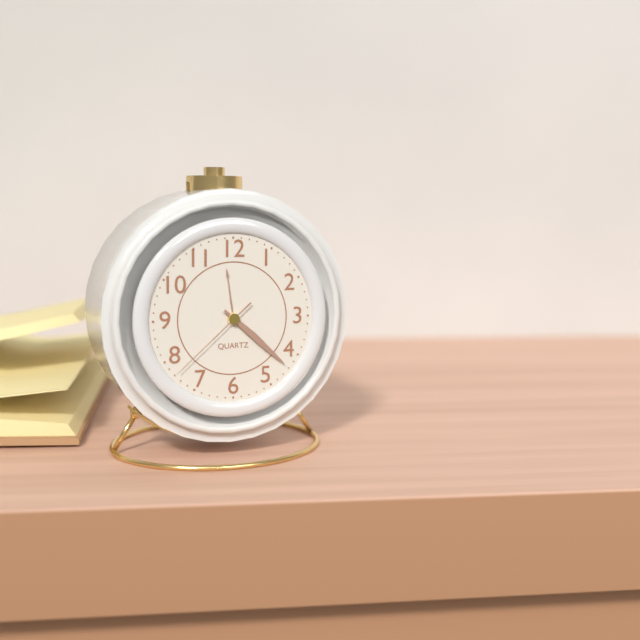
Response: 4:22:38
